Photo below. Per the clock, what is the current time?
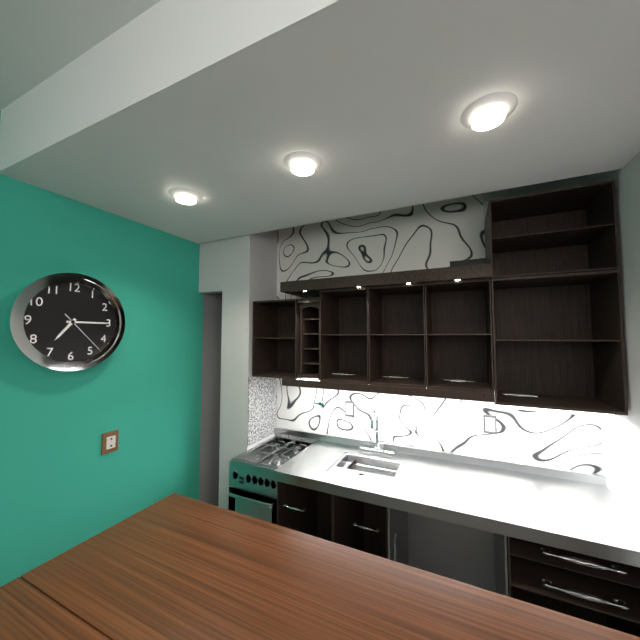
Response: 7:15
